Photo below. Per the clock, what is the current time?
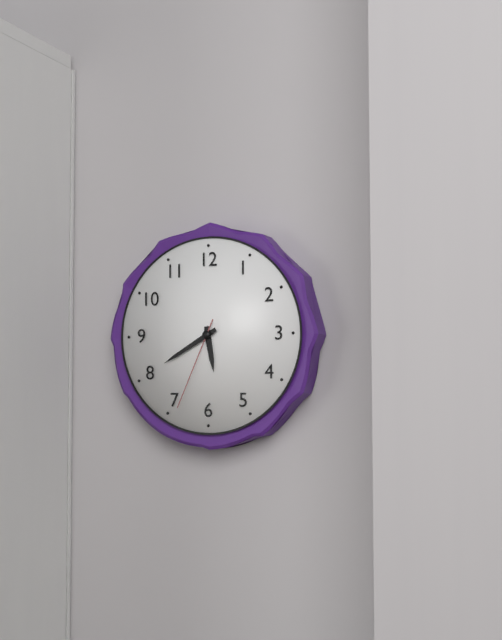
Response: 5:40:34
